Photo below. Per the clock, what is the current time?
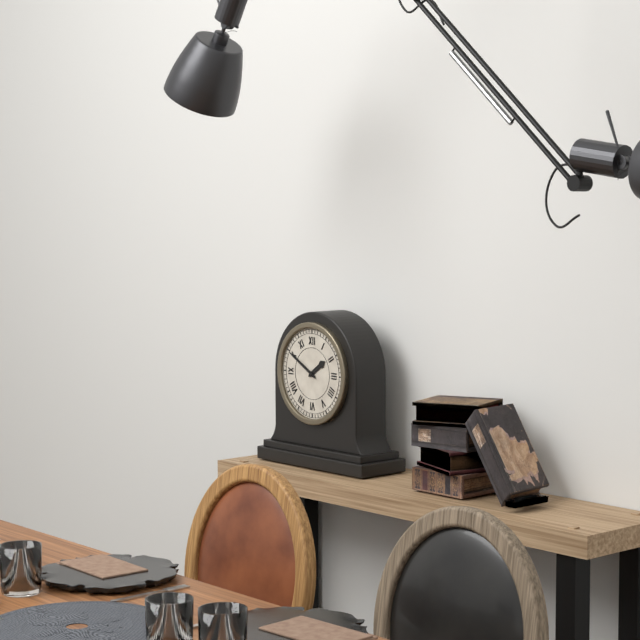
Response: 1:50
